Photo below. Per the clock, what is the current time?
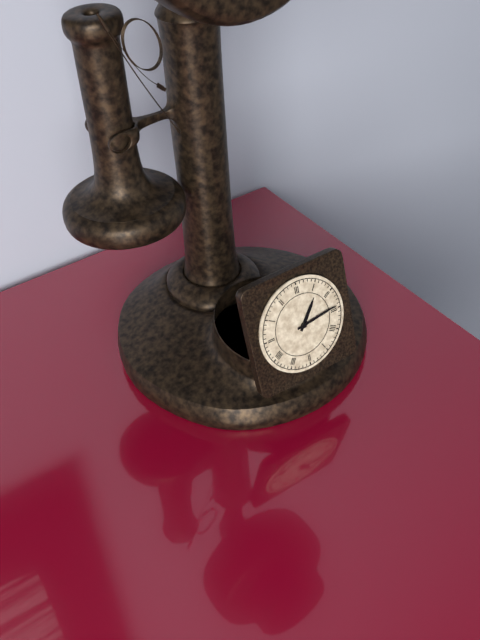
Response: 1:14
